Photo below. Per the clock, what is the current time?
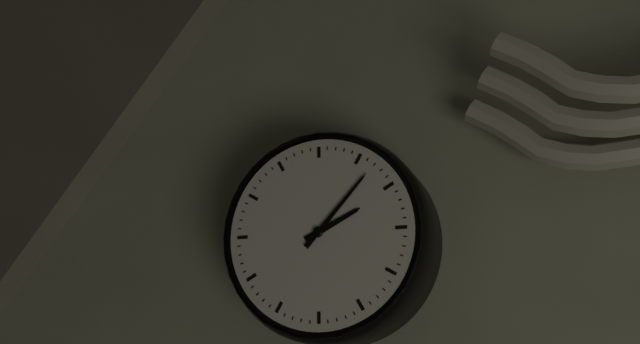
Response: 2:07
